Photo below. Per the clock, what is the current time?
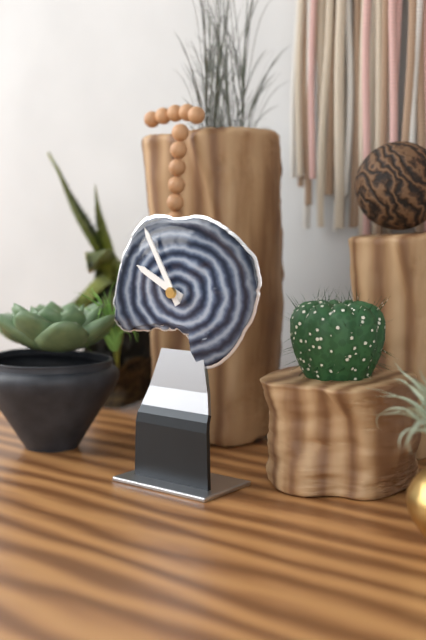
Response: 9:55
